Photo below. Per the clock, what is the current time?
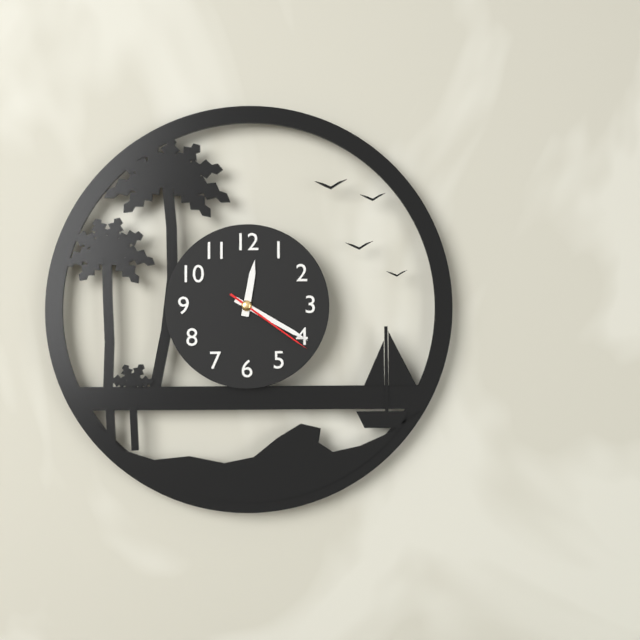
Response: 12:20:21
